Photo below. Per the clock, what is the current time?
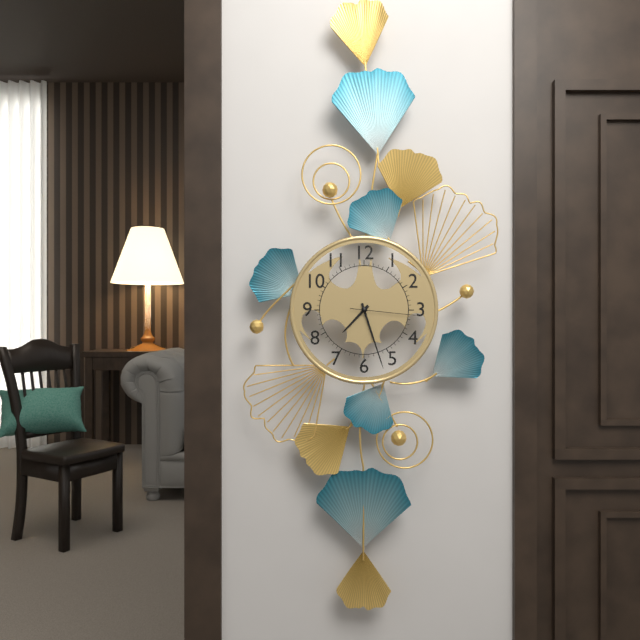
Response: 7:27:16
